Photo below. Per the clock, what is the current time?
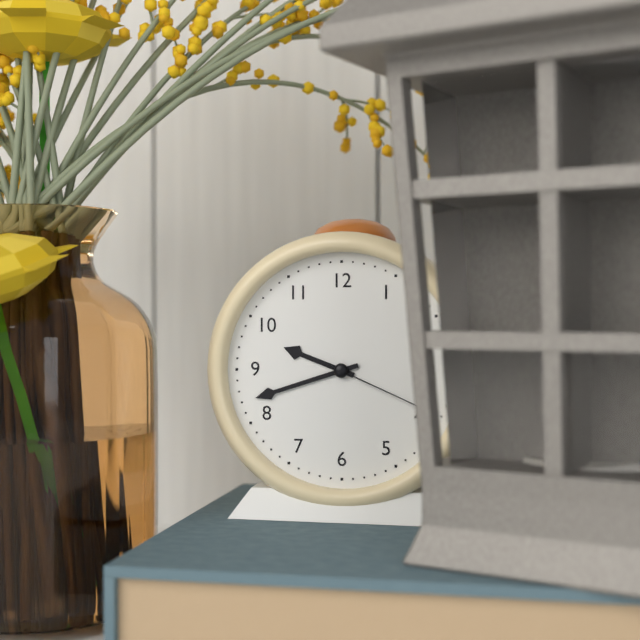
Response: 9:42:19
